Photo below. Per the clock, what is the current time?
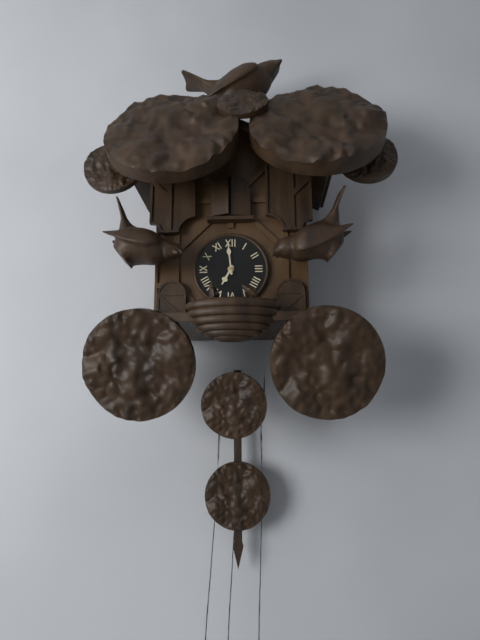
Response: 6:59
